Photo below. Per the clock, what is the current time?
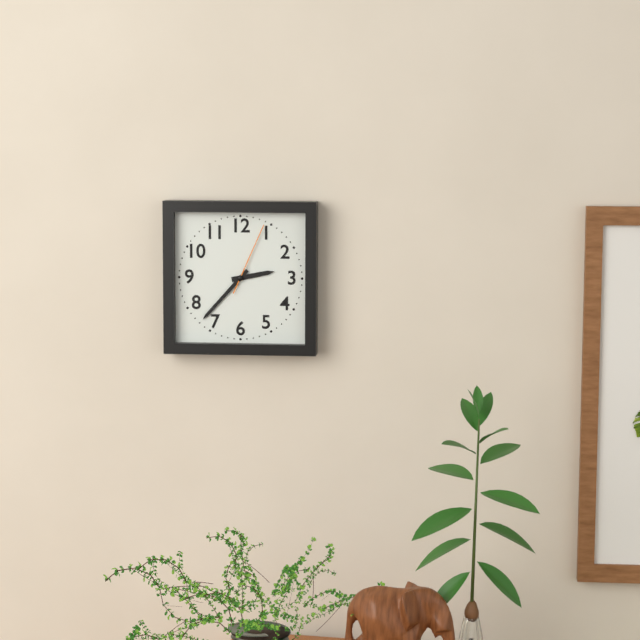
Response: 2:37:04
